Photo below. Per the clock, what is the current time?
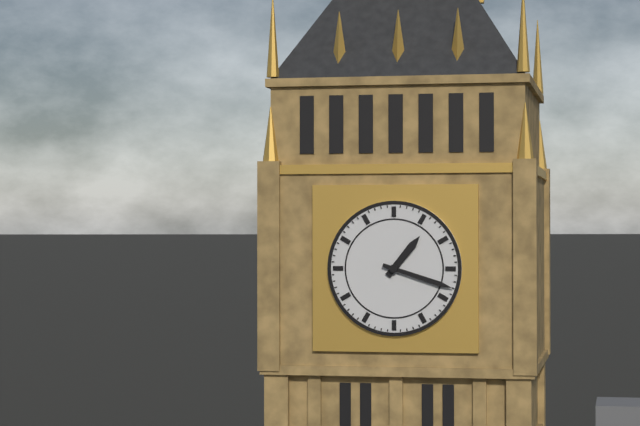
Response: 1:18
